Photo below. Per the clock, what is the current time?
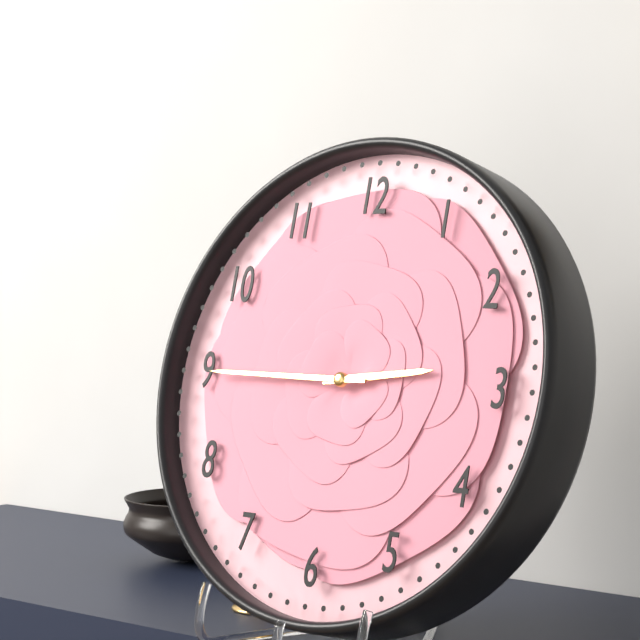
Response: 2:45
